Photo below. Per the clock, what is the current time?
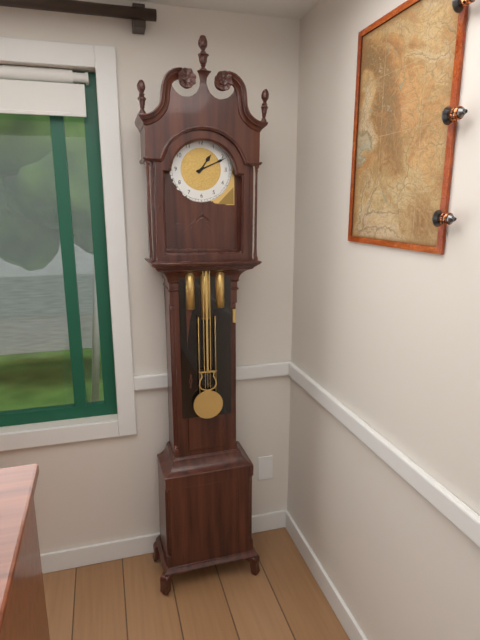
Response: 1:11
